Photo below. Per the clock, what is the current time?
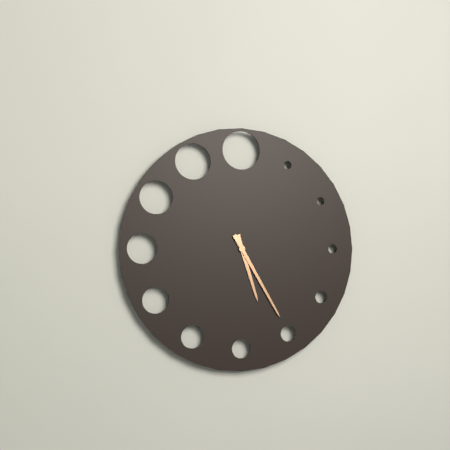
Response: 5:25
